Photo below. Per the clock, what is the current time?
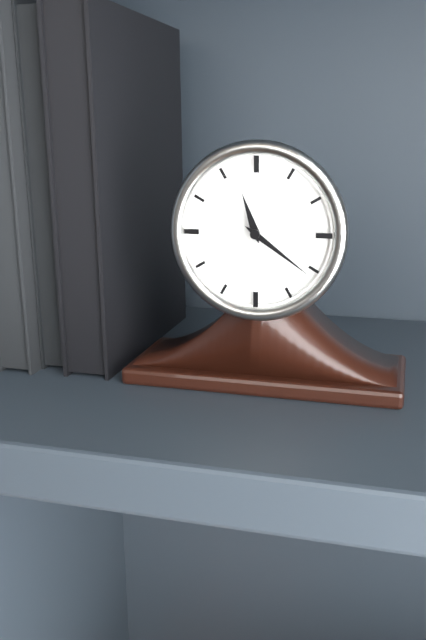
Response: 11:21
